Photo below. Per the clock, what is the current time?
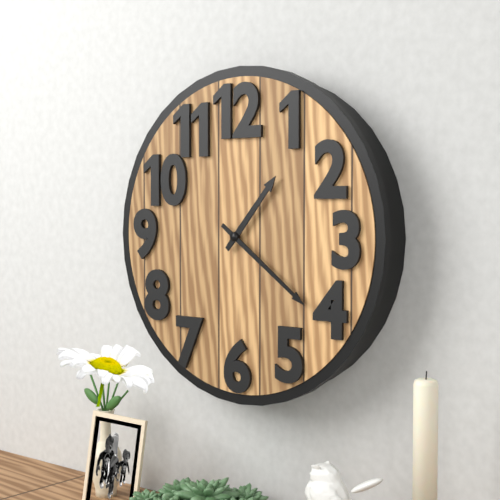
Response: 1:21
